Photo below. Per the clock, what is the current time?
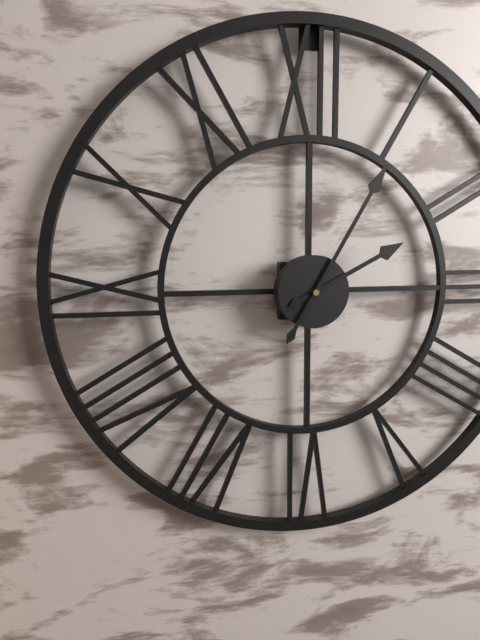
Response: 2:05
